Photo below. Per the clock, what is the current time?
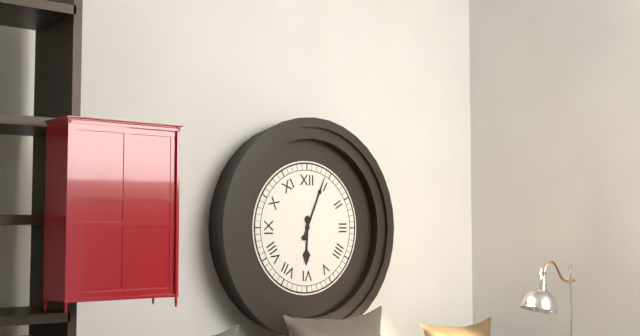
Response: 6:04
